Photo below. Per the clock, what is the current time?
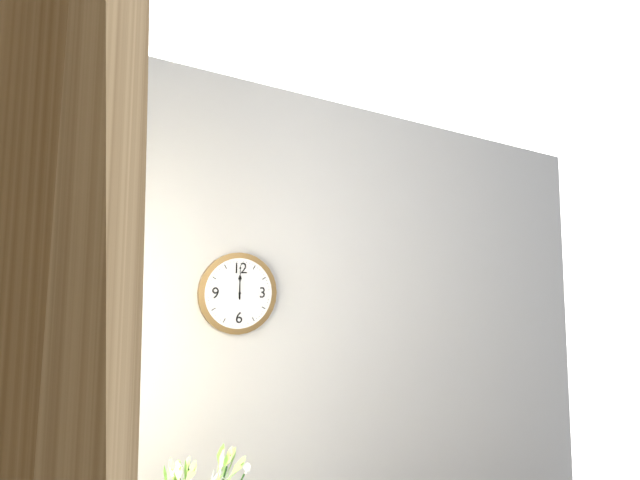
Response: 12:00
